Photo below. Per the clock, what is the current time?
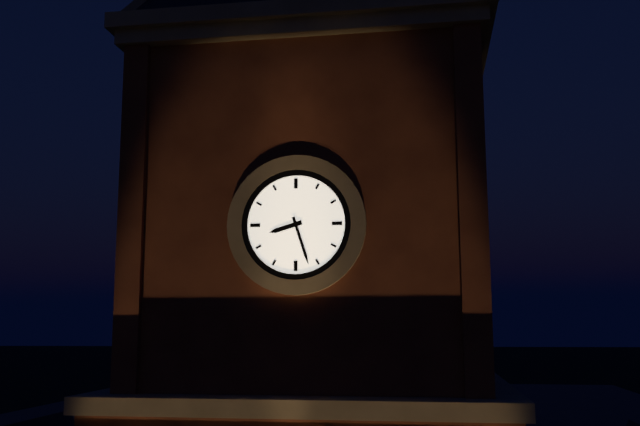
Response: 8:27
